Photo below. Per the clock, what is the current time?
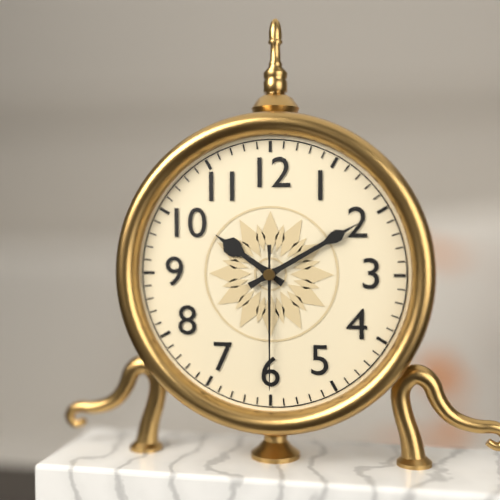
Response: 10:10:30
